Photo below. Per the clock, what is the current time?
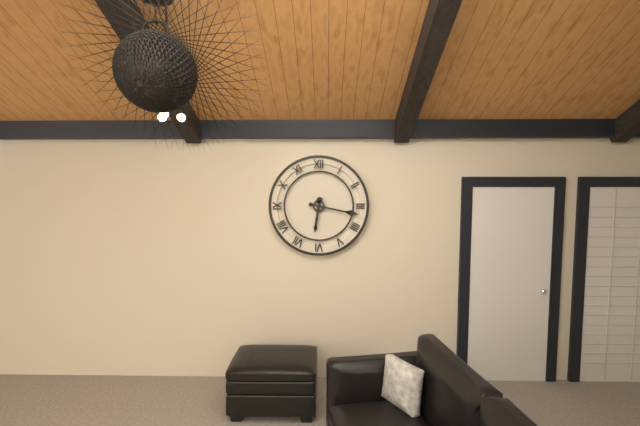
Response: 6:17
